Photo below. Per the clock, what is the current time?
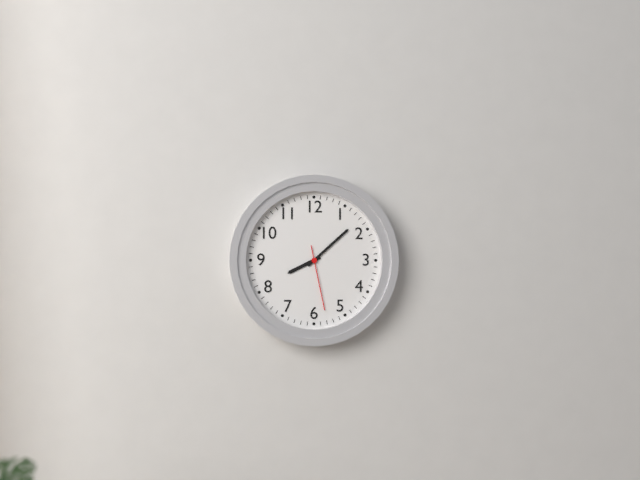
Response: 8:08:28
